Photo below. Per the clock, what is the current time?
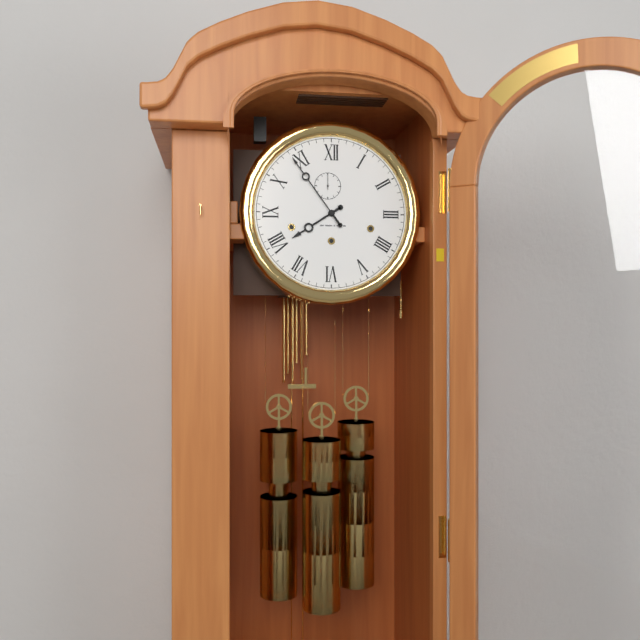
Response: 7:54
